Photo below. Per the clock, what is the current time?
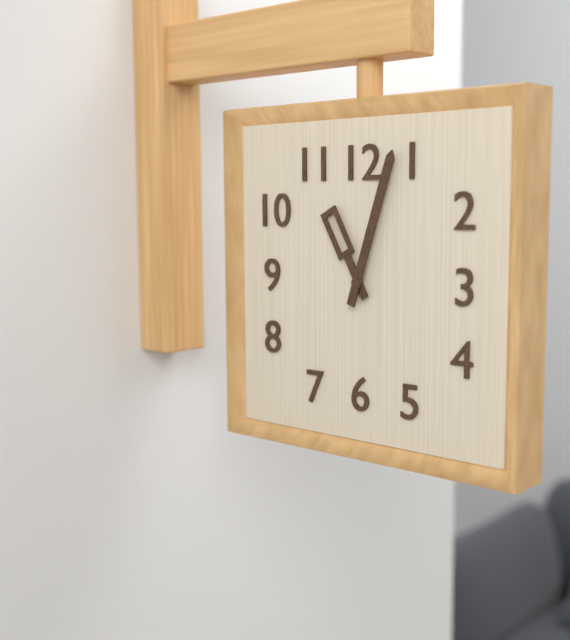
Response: 11:03
